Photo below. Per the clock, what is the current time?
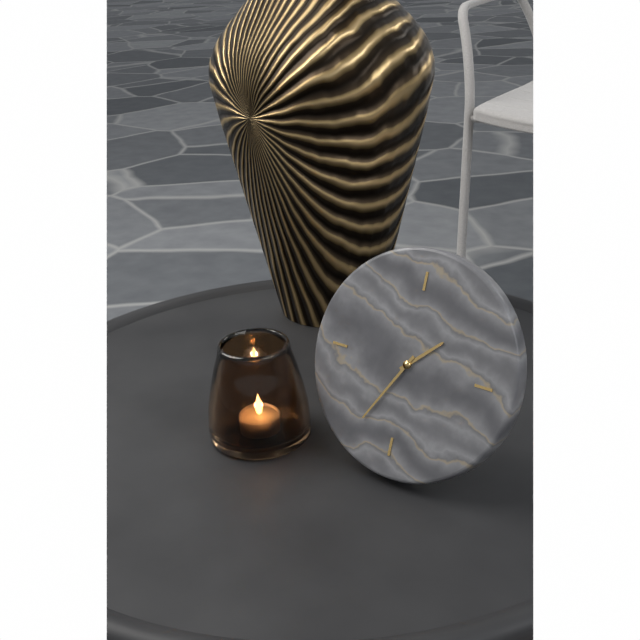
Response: 1:35
